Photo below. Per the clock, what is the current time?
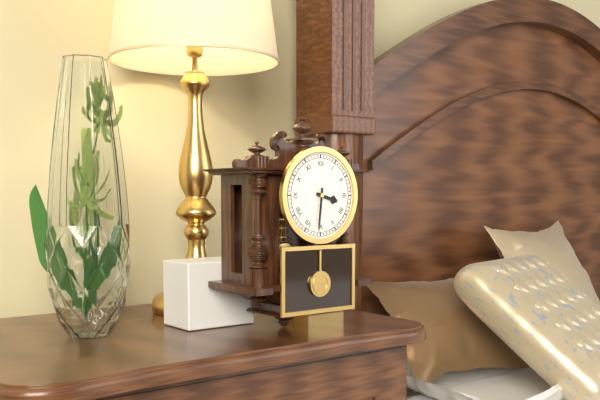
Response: 3:31
